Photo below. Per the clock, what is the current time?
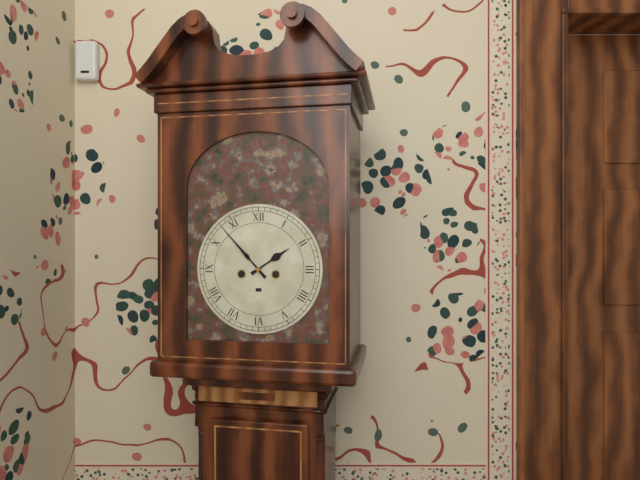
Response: 1:53
